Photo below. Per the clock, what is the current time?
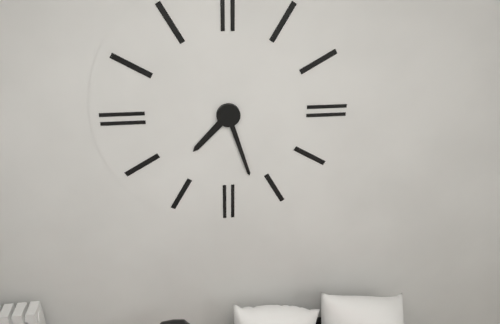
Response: 7:27
